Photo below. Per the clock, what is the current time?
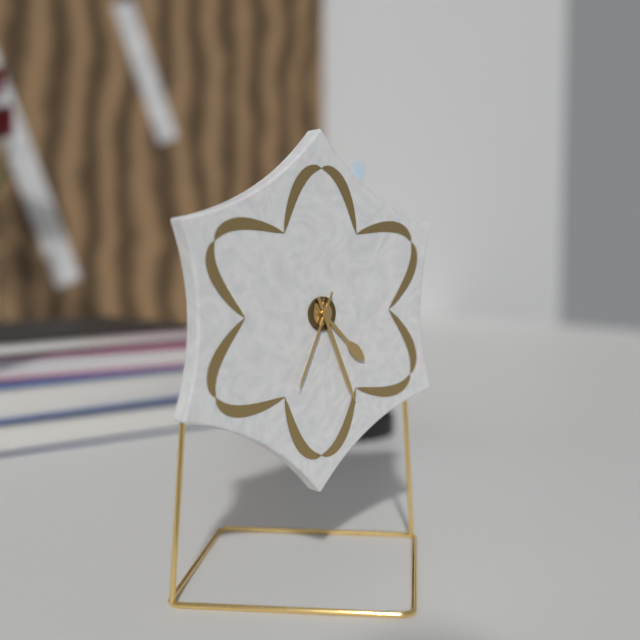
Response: 4:26:34
